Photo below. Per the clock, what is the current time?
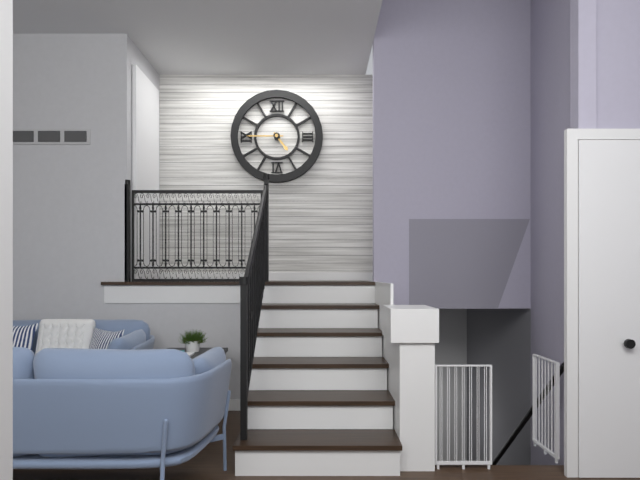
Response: 4:45
